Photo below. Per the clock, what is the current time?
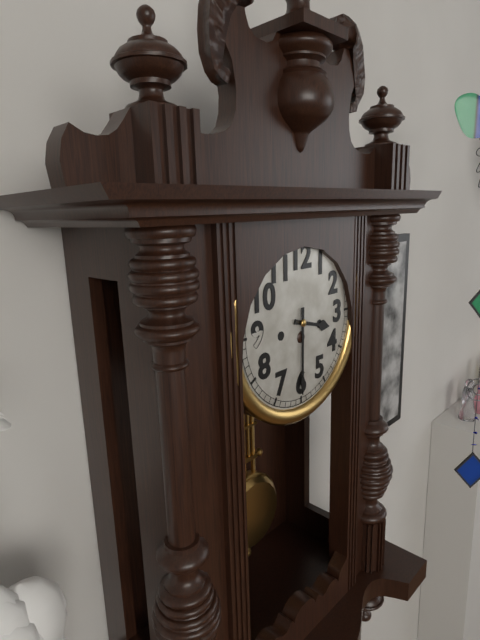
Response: 3:30
